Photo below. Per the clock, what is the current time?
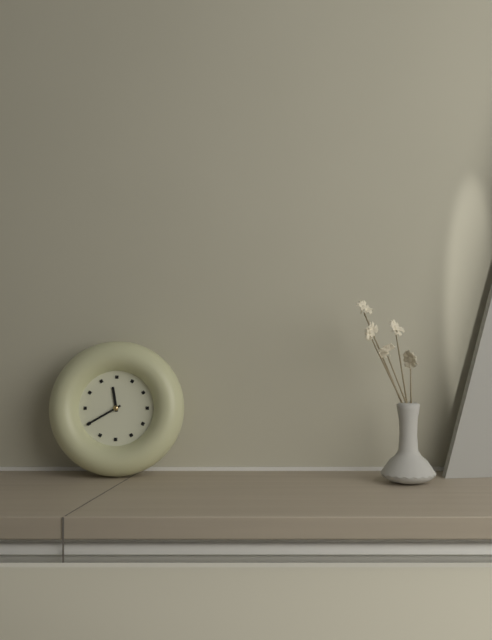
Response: 11:40
